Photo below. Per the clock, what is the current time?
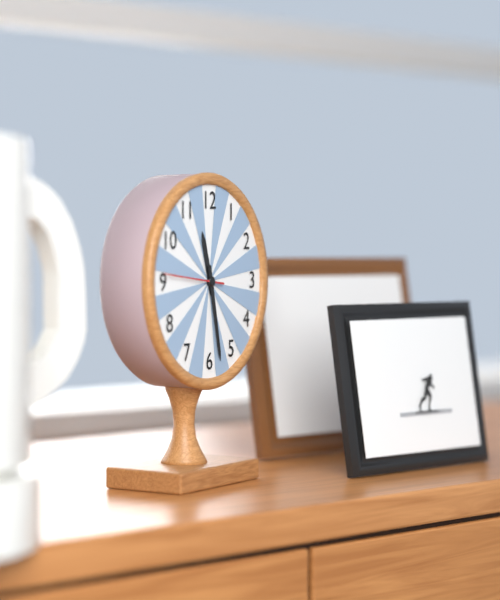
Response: 11:28
